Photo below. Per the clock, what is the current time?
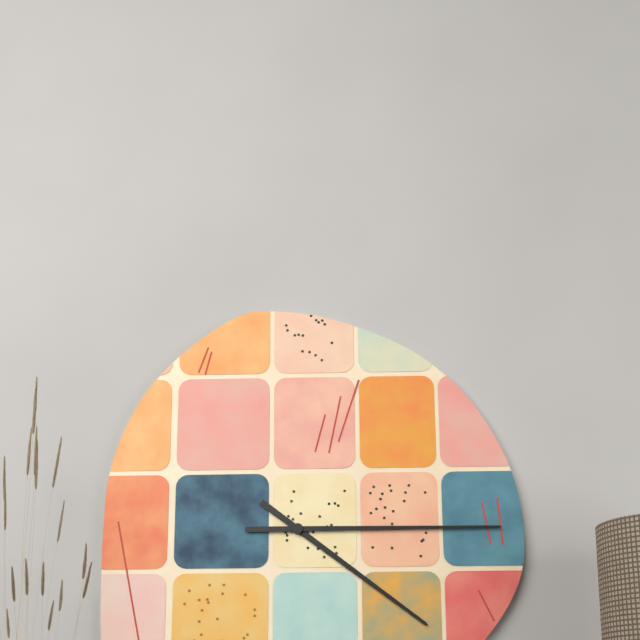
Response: 4:15
